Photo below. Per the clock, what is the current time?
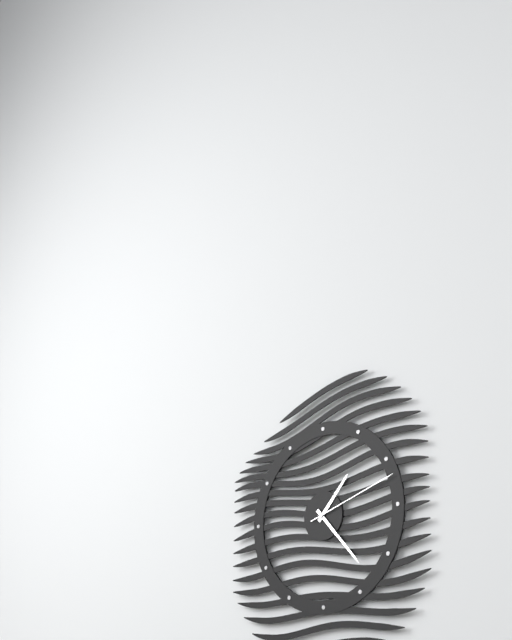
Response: 1:23:12
